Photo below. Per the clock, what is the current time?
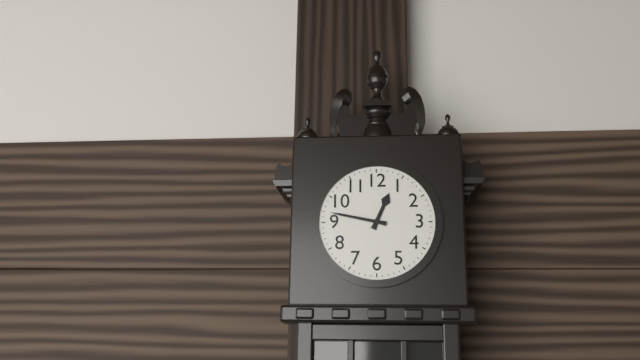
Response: 12:47
